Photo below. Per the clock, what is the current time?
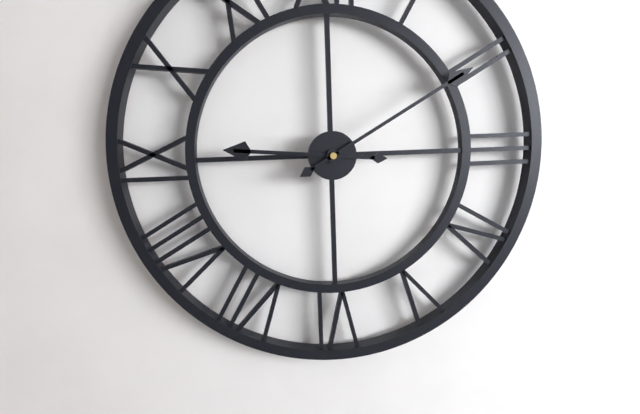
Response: 9:10
